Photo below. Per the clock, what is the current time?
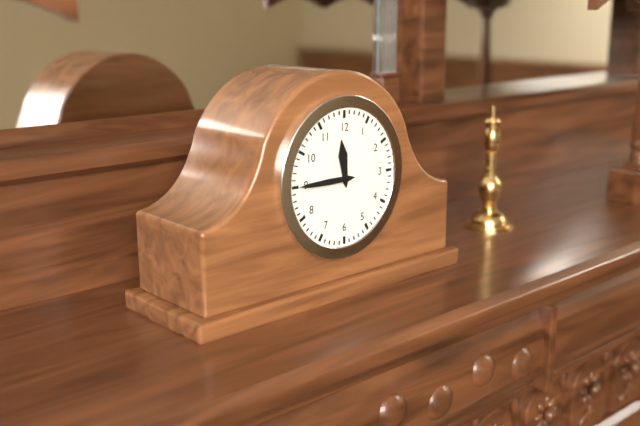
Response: 11:45
